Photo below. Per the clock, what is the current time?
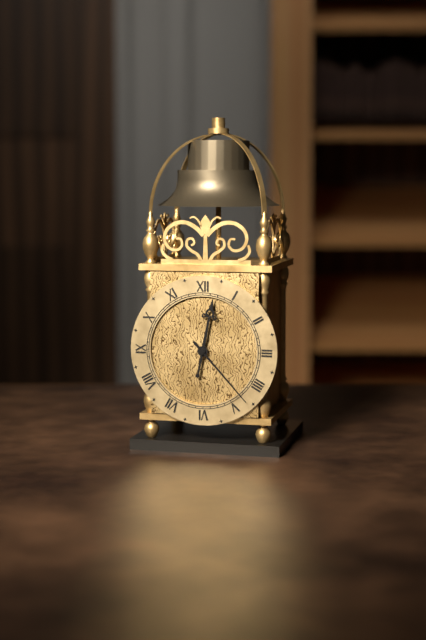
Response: 12:23
